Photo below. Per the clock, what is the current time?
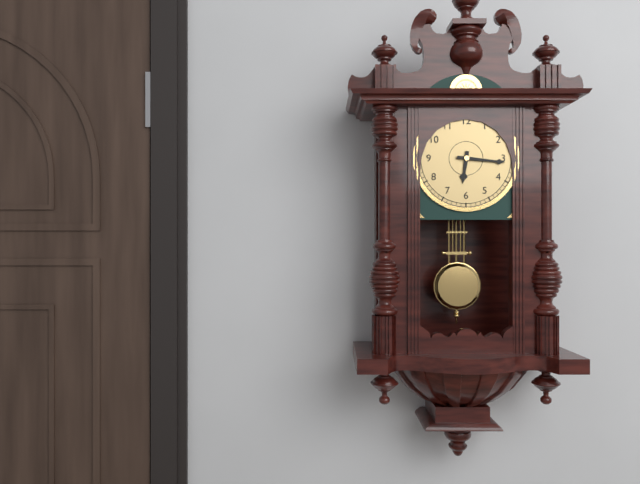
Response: 6:16
